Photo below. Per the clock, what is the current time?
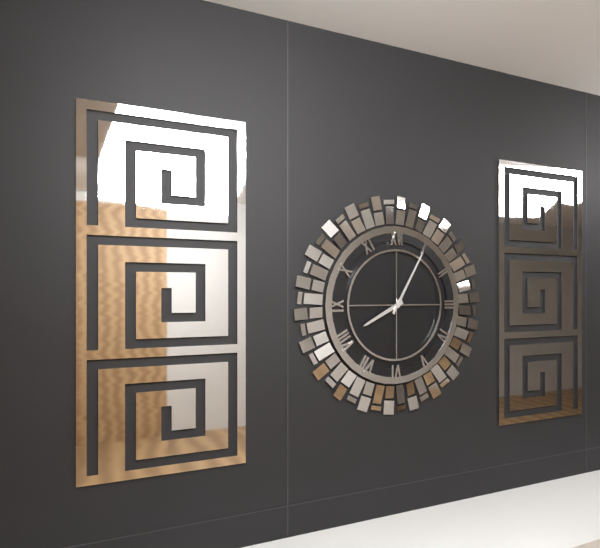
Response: 8:05
